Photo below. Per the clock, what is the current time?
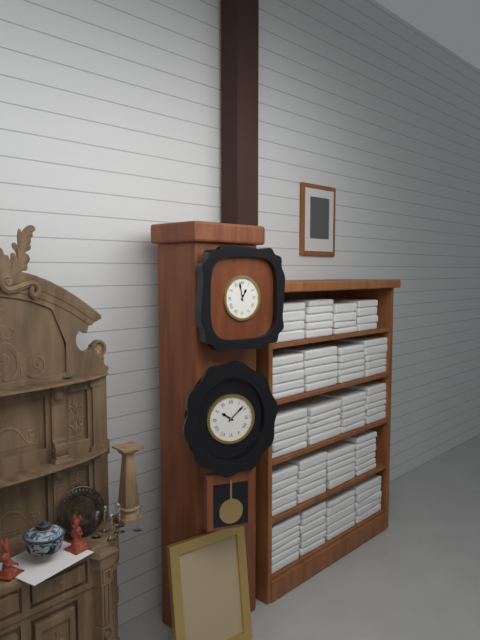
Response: 12:58
